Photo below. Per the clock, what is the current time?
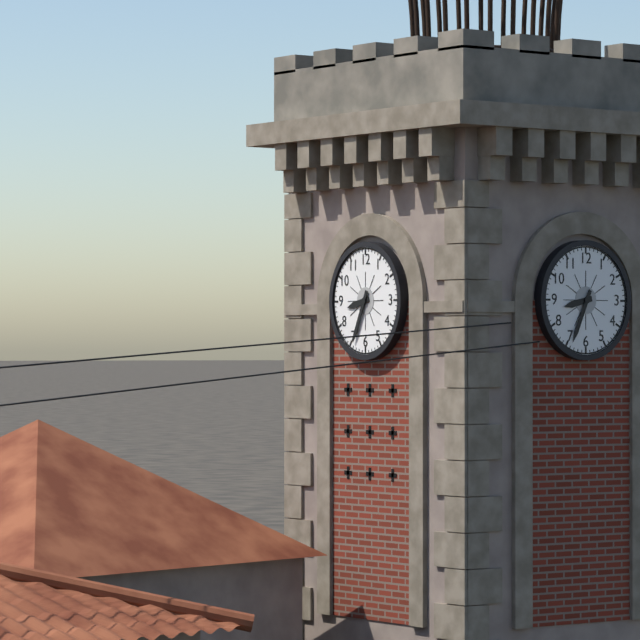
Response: 8:34
